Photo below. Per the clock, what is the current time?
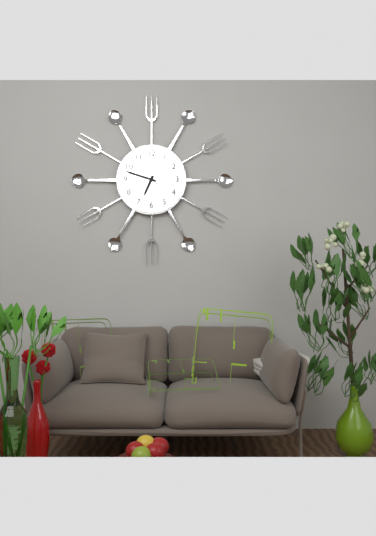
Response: 6:48
